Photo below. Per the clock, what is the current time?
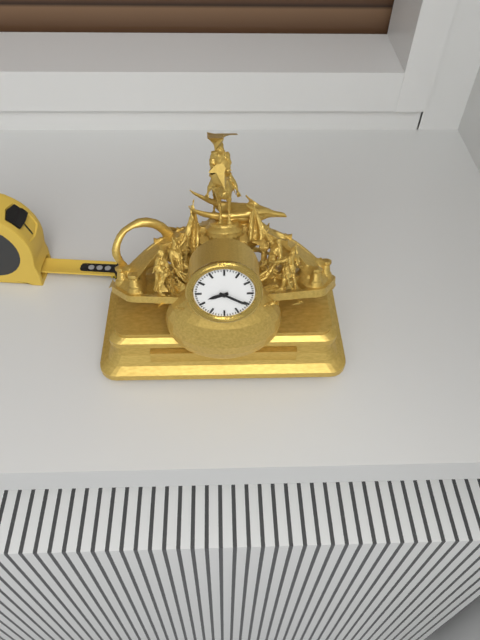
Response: 8:20
